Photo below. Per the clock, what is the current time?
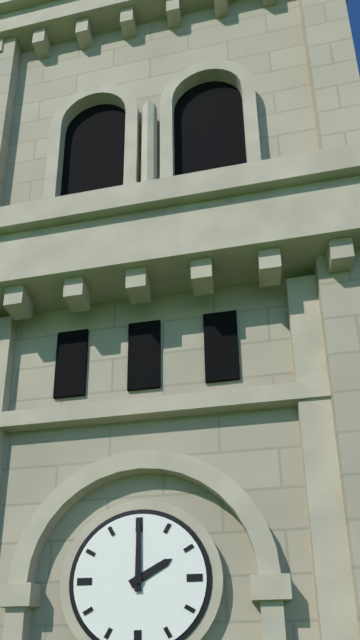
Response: 2:00
